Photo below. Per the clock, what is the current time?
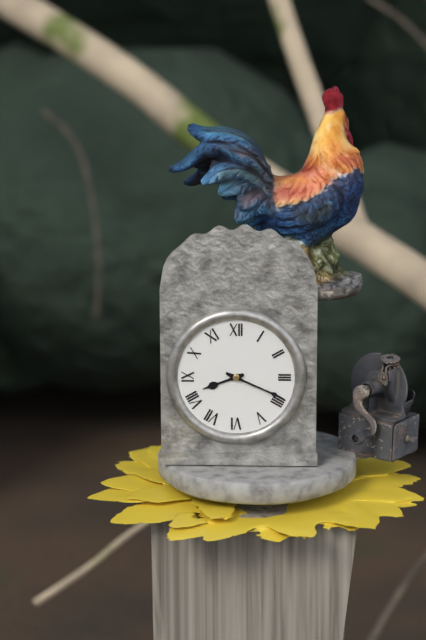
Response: 8:19
